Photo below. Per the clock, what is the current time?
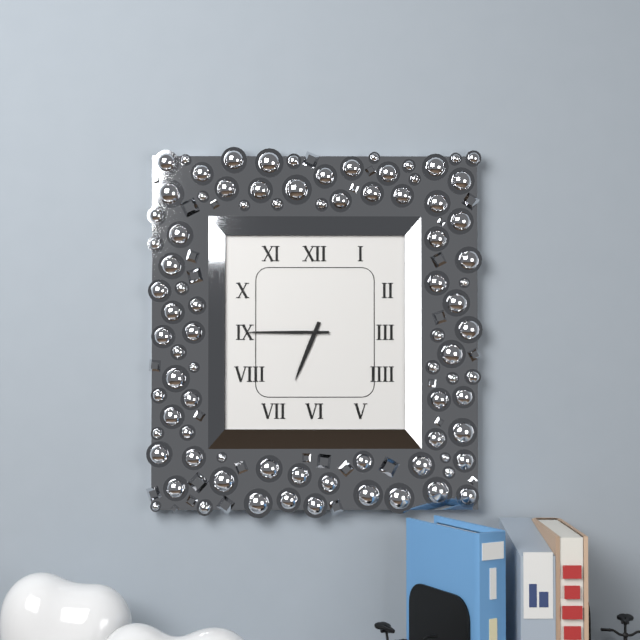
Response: 6:45
